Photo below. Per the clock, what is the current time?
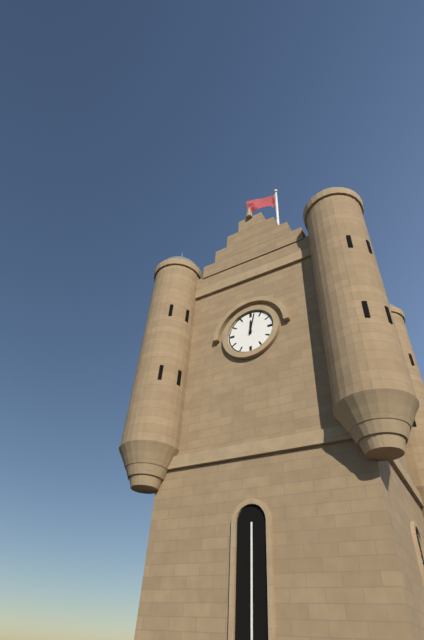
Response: 12:02
